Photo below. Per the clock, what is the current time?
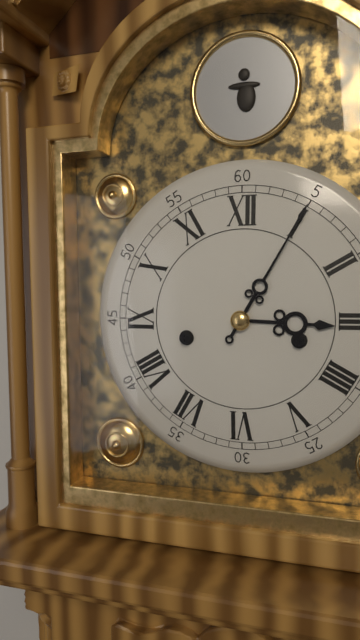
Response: 3:05
